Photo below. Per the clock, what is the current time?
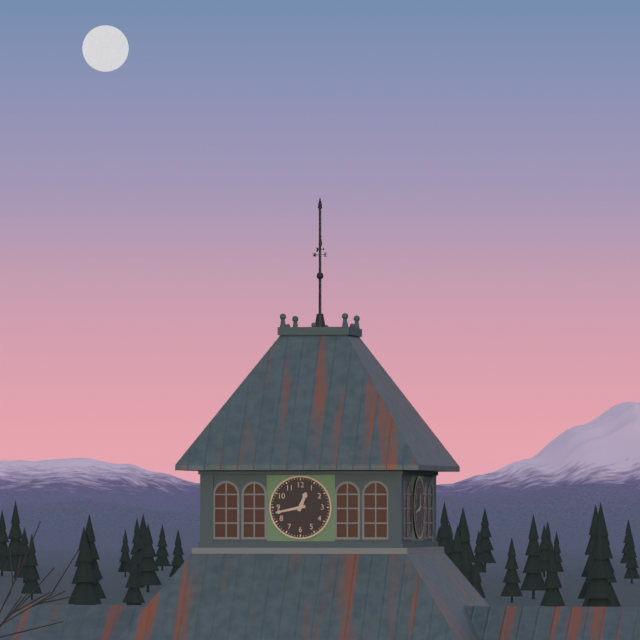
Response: 12:43
